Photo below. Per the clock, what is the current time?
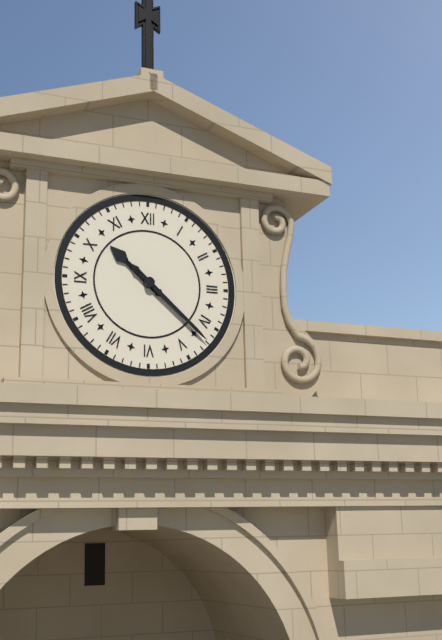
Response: 10:22
